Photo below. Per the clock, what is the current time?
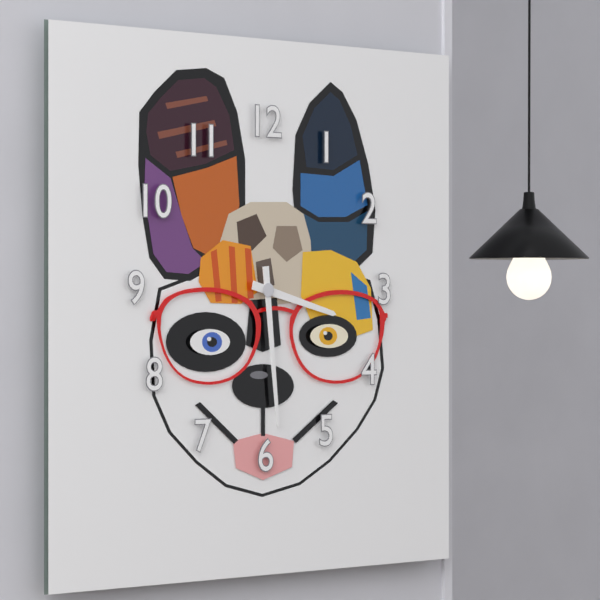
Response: 3:29
